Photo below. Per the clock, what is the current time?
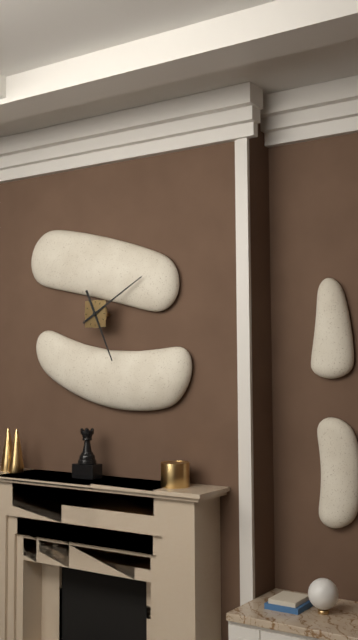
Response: 5:10
